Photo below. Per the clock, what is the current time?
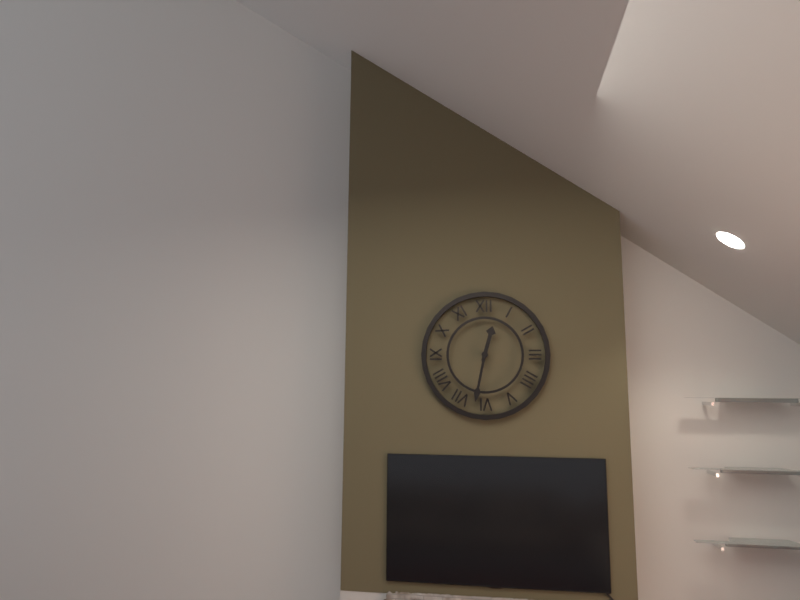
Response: 12:32
